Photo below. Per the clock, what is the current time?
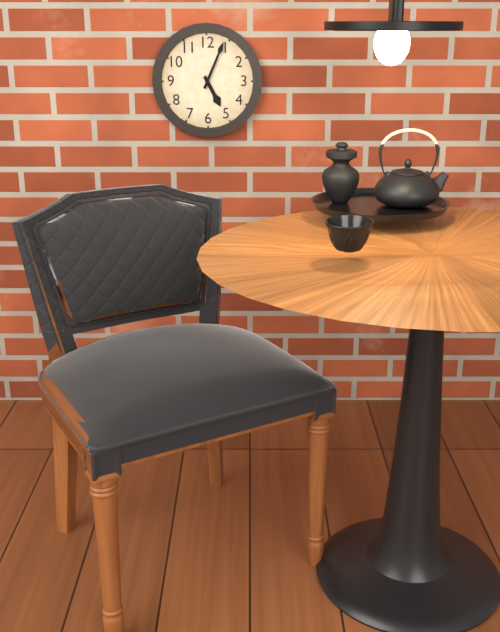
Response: 5:04
